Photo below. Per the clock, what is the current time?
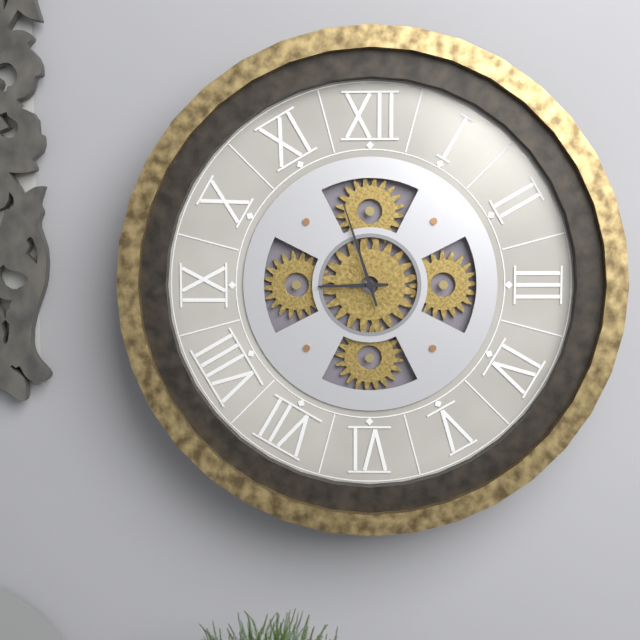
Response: 8:57
